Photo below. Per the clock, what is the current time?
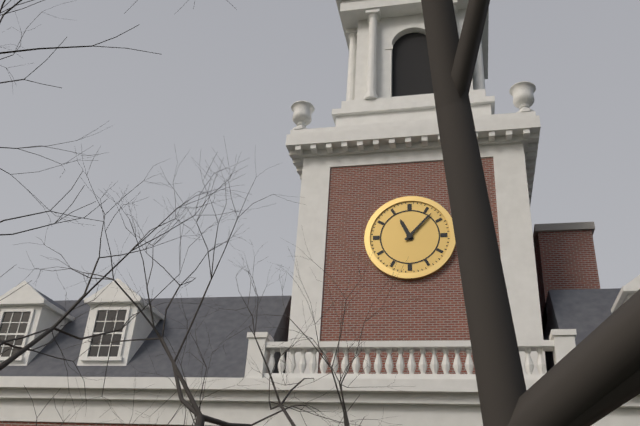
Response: 11:07
